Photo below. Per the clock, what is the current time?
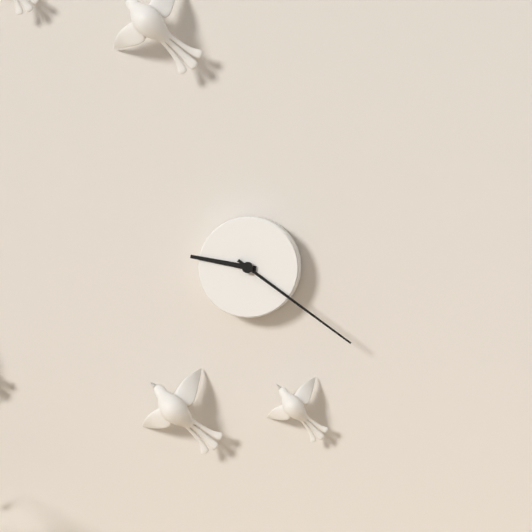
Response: 9:21
